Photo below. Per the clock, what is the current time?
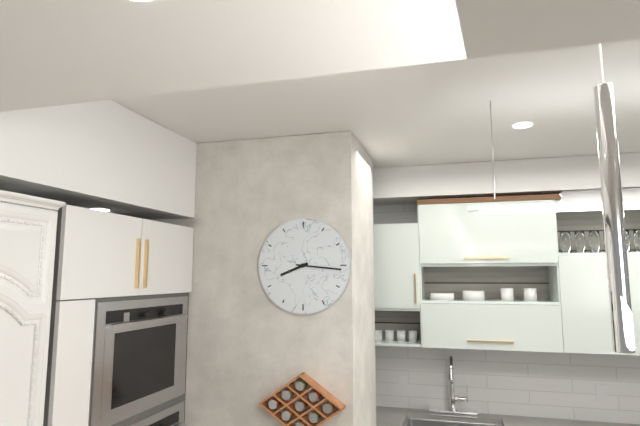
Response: 8:16
